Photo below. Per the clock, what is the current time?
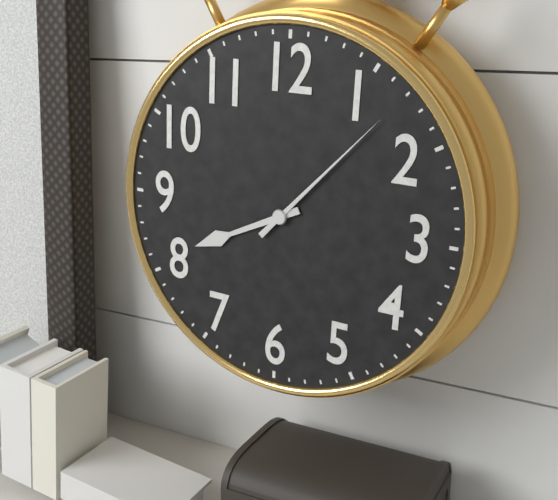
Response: 8:07
